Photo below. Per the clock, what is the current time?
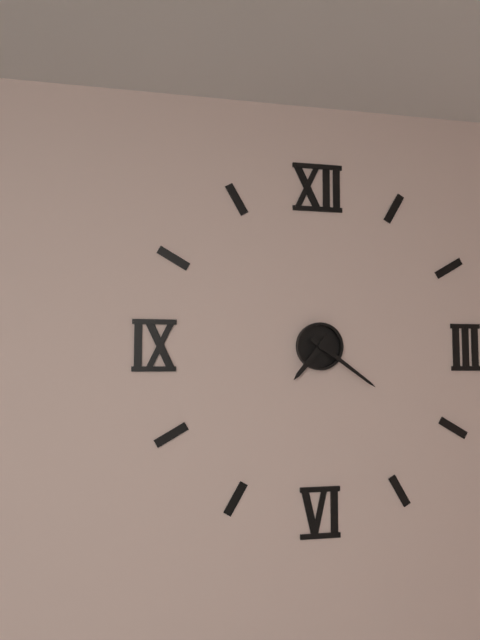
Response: 7:21
